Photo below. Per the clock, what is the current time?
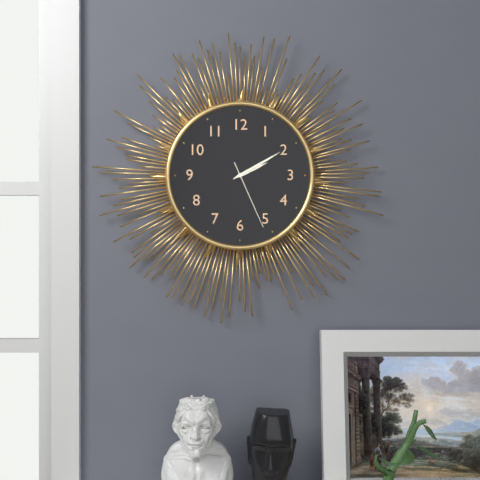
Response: 2:10:26
